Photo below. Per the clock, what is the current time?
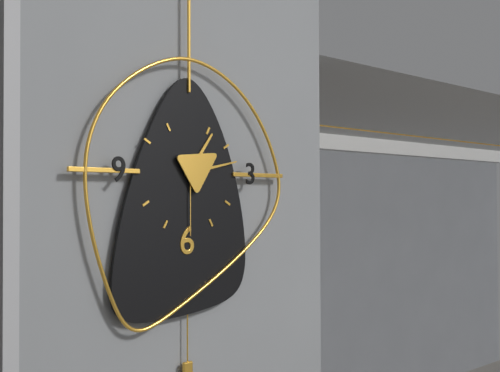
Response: 1:13:30
